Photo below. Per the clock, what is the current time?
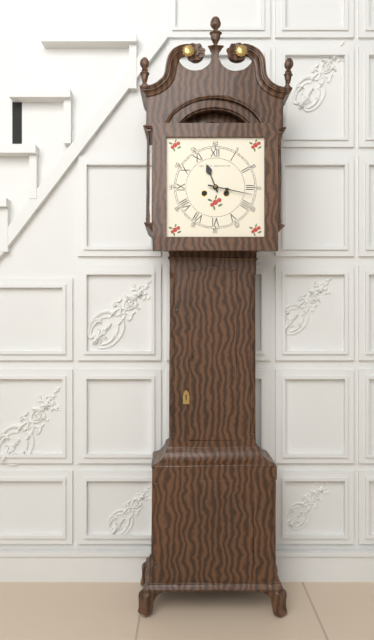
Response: 11:17
